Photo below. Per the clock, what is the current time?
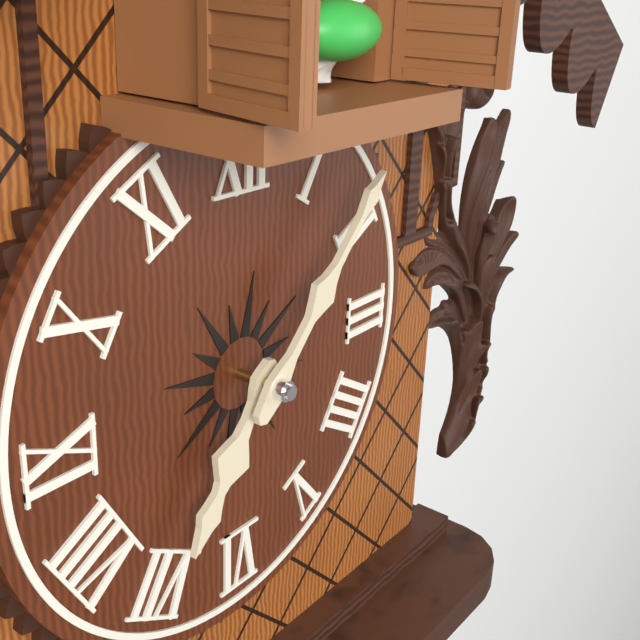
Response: 7:07
